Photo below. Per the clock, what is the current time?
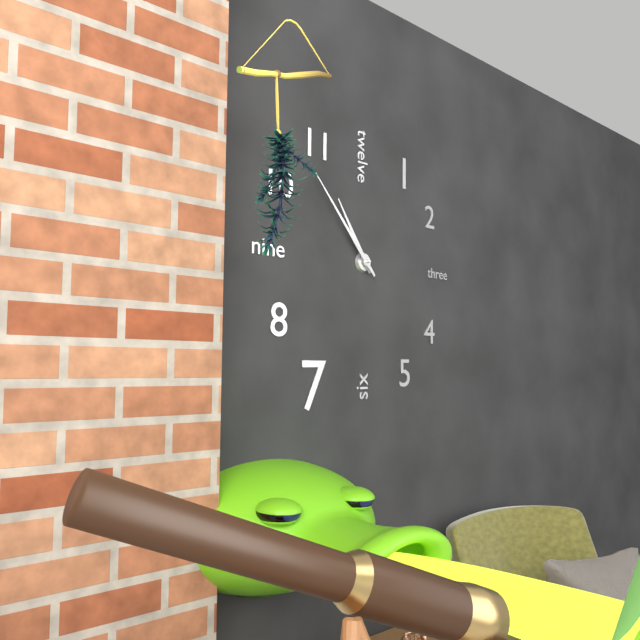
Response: 10:53
